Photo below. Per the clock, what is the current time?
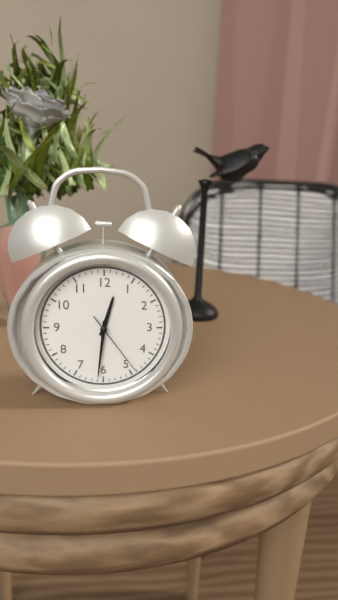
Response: 12:31:24
